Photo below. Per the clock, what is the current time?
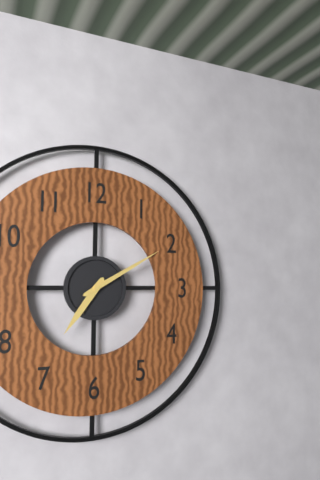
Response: 7:10
